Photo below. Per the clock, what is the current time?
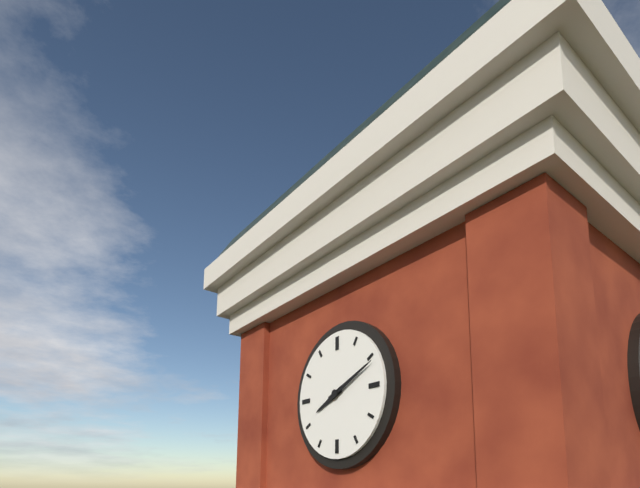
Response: 8:11
